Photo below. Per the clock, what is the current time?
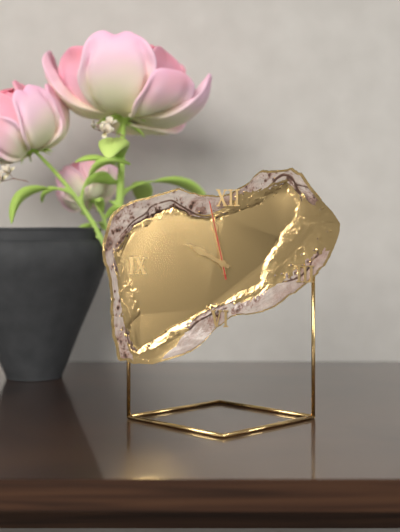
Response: 9:58:58
